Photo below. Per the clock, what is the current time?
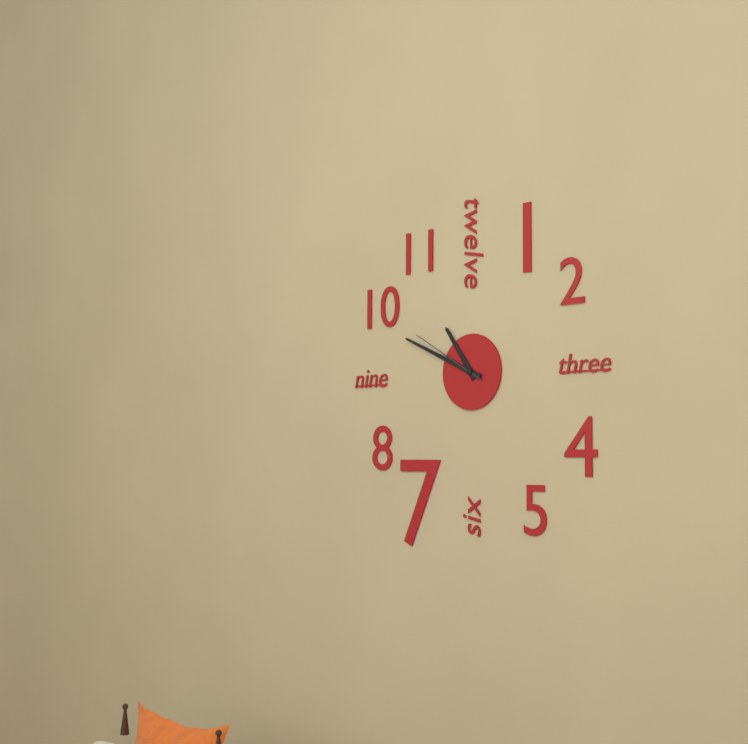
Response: 10:49:50
